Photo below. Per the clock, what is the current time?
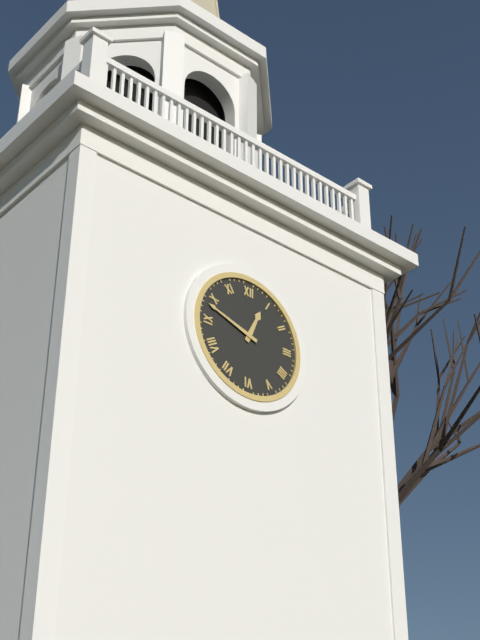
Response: 12:48
